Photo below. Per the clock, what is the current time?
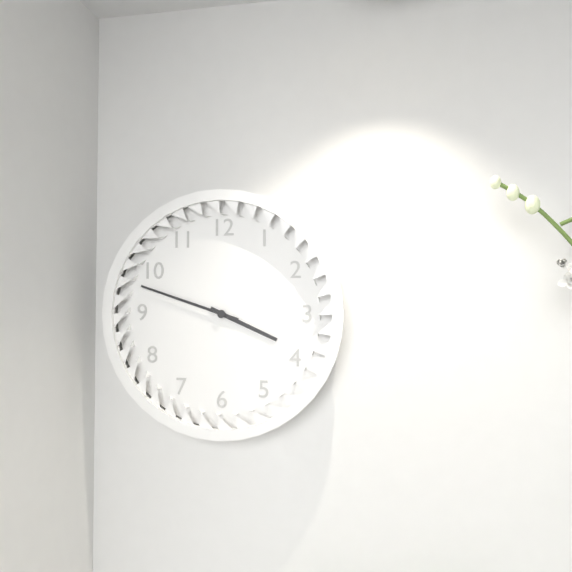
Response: 3:48
